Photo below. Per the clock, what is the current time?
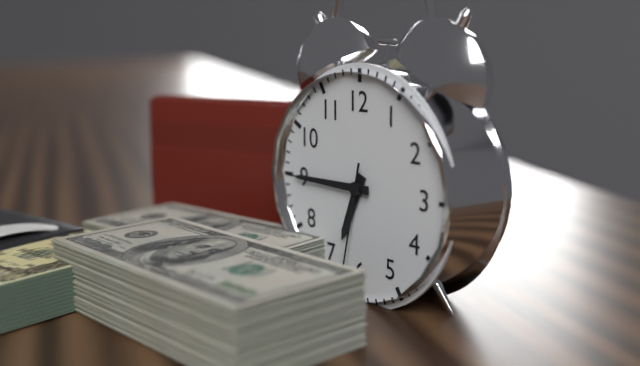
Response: 6:45:32
